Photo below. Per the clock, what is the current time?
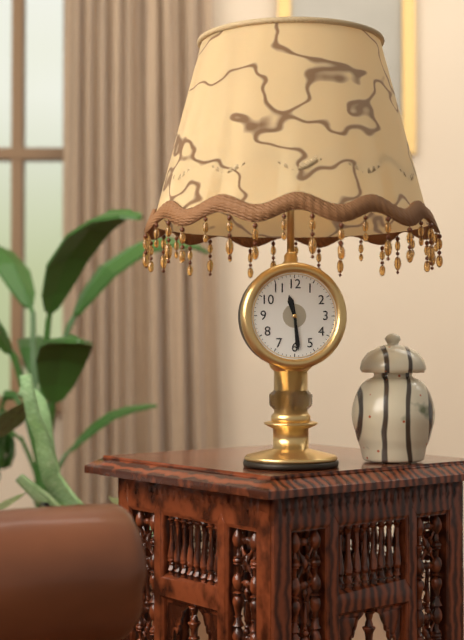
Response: 11:29
